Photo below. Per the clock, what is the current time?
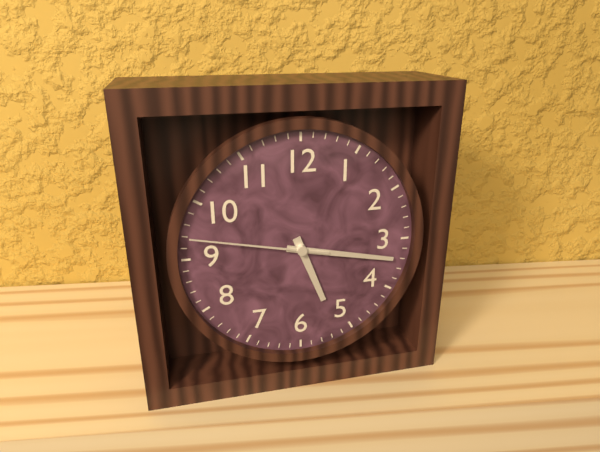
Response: 5:17:47
